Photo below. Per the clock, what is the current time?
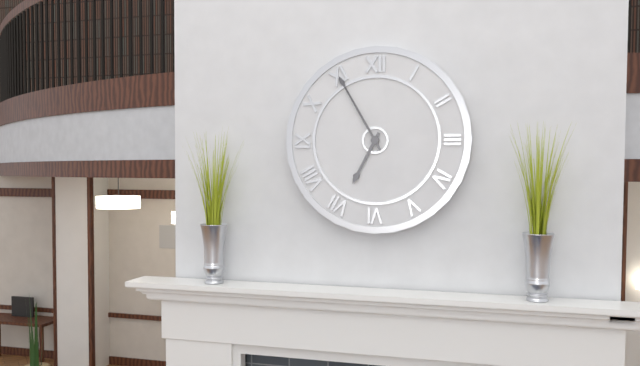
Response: 6:55
